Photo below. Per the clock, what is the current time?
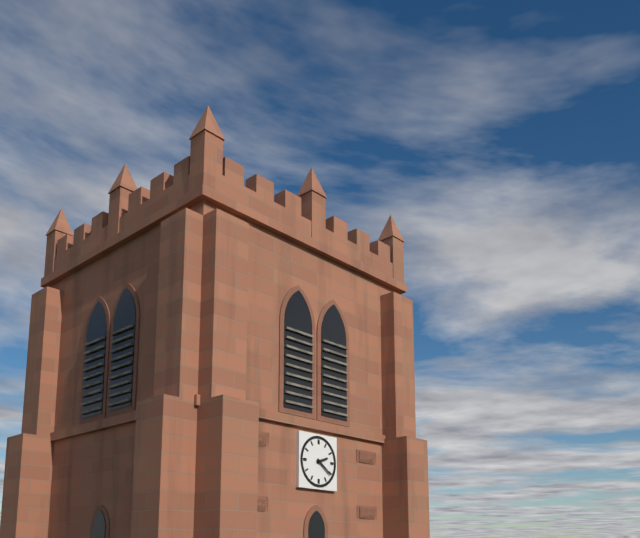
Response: 2:21
